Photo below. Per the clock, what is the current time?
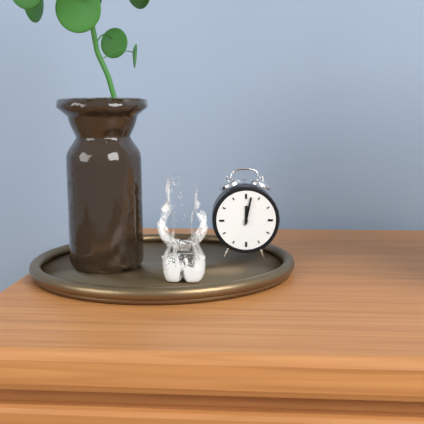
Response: 12:02
